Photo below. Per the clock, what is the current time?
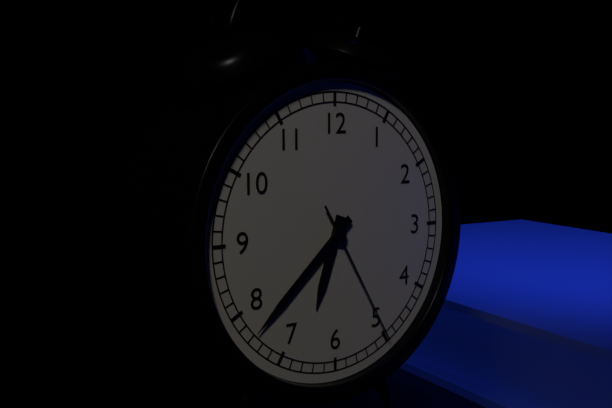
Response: 6:38:25
